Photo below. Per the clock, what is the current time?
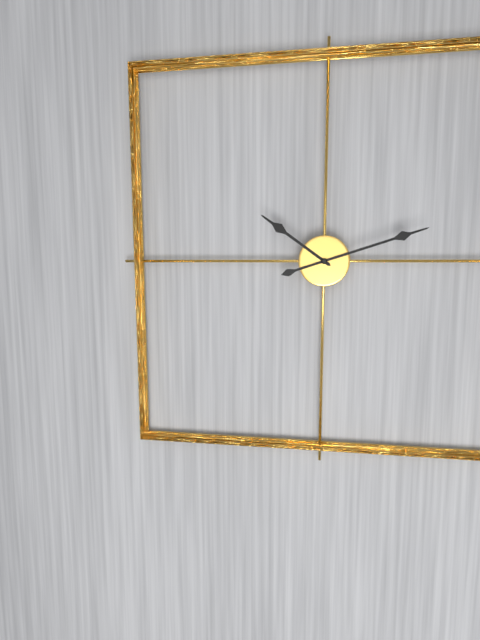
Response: 10:12
